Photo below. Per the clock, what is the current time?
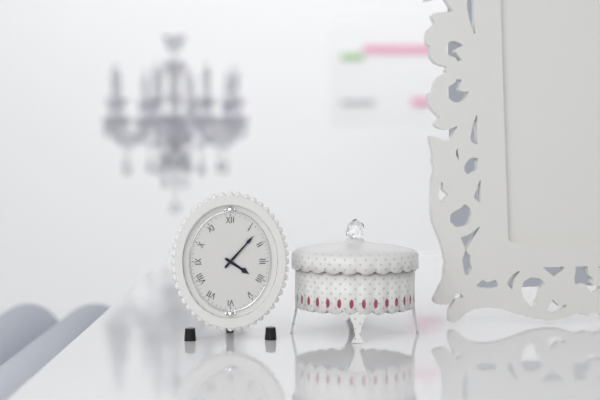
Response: 4:07
